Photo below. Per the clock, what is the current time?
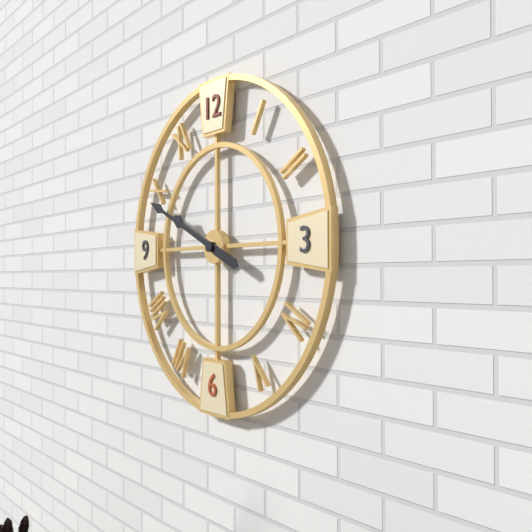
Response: 9:49
